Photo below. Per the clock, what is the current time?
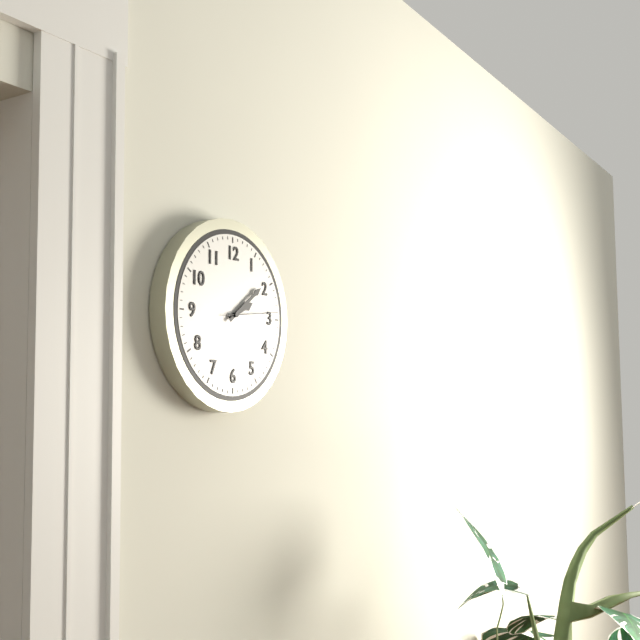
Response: 2:09:14
